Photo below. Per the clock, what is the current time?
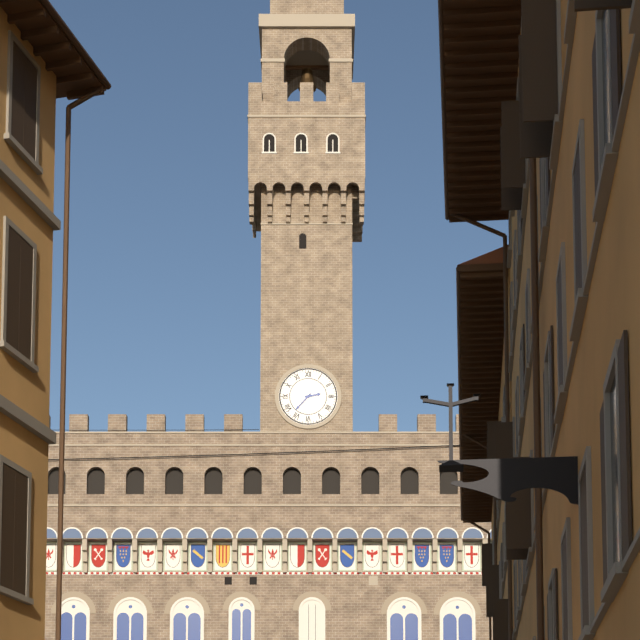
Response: 2:37
